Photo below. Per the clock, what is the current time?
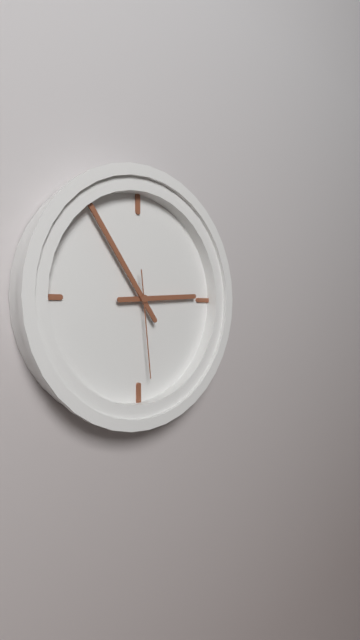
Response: 2:54:29
